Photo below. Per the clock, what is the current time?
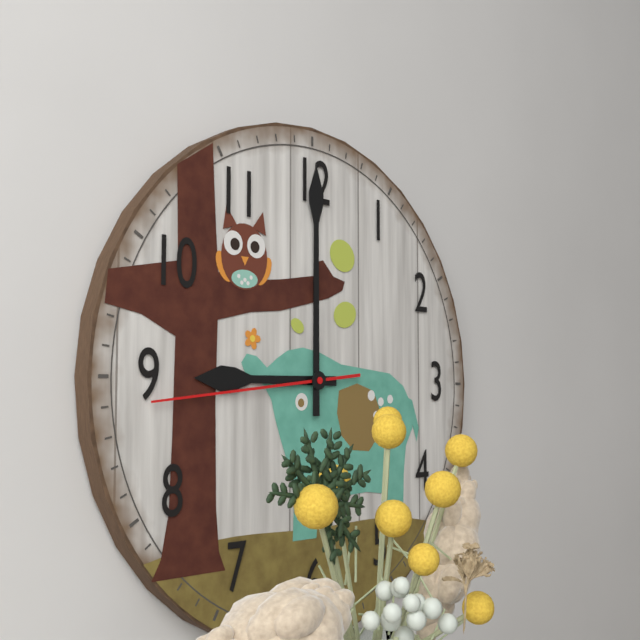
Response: 9:00:44
